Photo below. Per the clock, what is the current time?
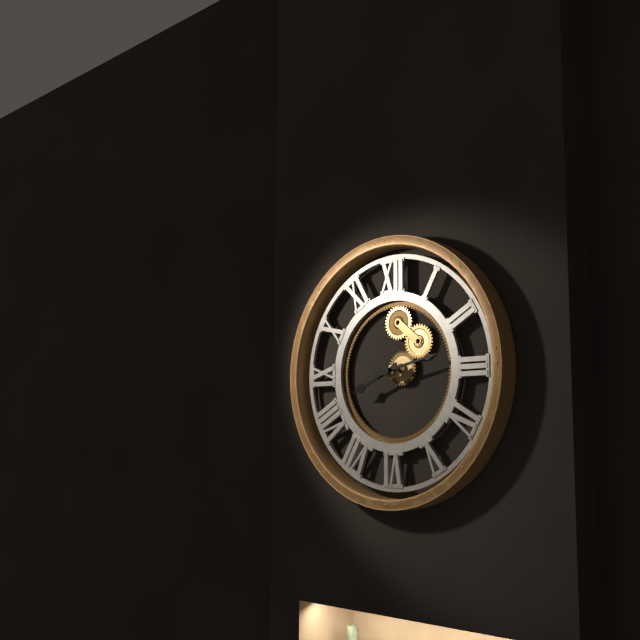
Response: 8:13
